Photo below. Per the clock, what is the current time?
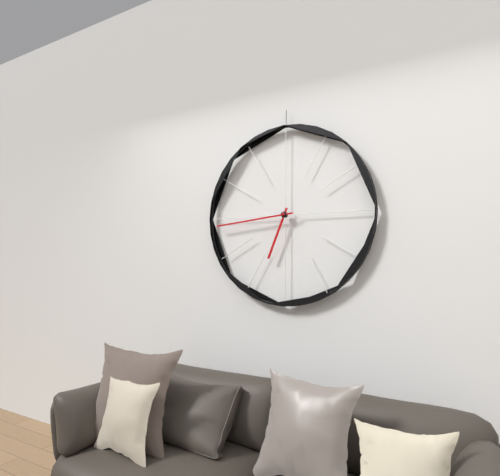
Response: 6:44
